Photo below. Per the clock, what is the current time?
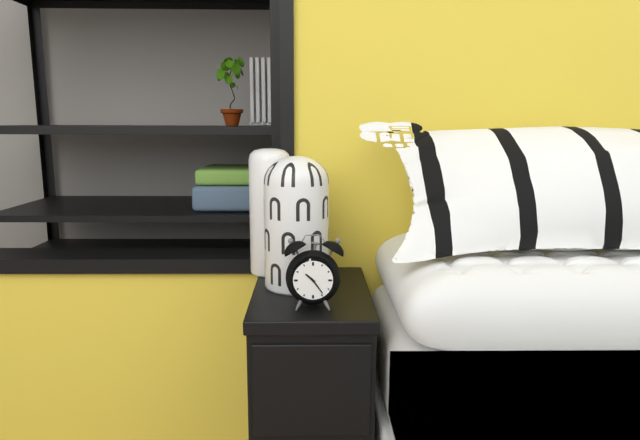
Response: 10:24
